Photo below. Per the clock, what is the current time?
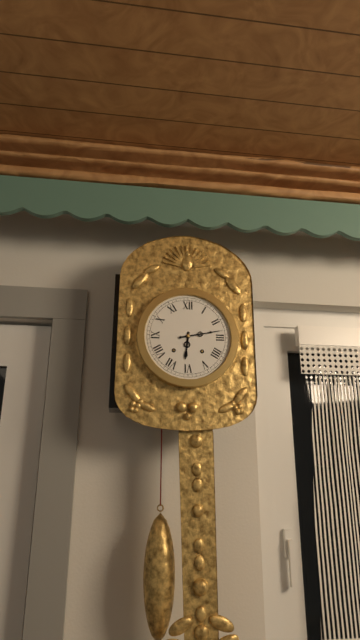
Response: 6:13
